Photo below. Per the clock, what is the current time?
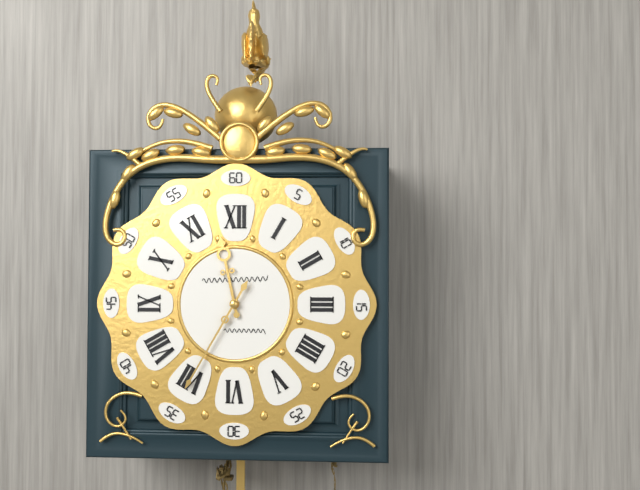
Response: 11:35
